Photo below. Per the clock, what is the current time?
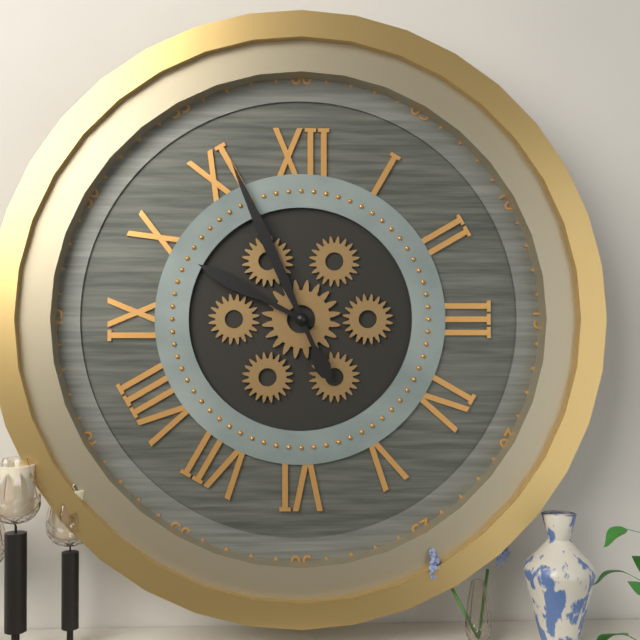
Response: 9:56
